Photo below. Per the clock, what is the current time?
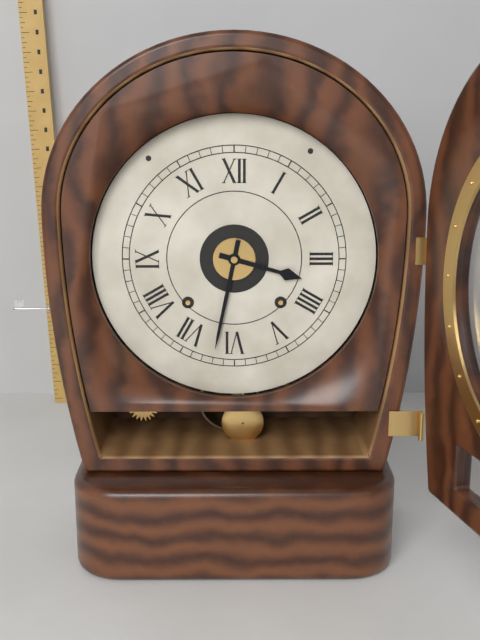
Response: 3:32
